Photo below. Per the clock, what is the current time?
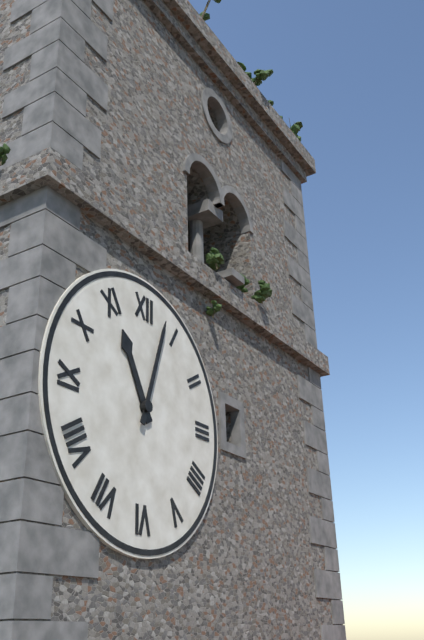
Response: 11:03
